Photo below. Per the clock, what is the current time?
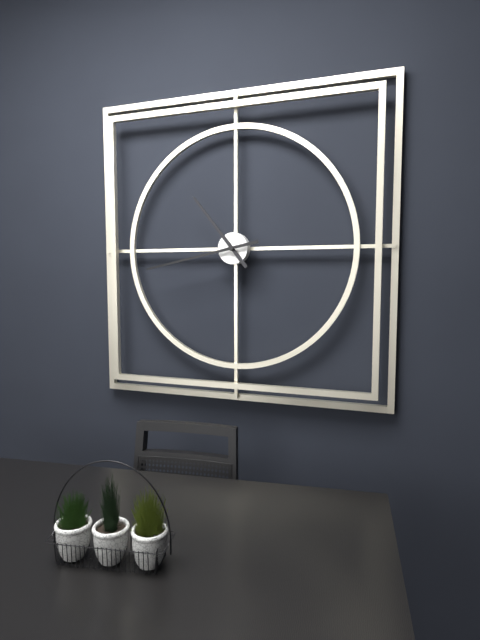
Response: 10:43
